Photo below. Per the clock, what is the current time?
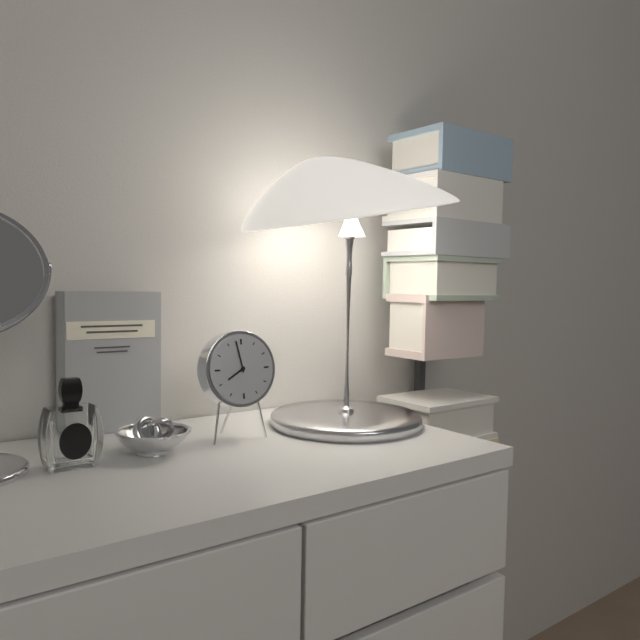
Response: 7:58
